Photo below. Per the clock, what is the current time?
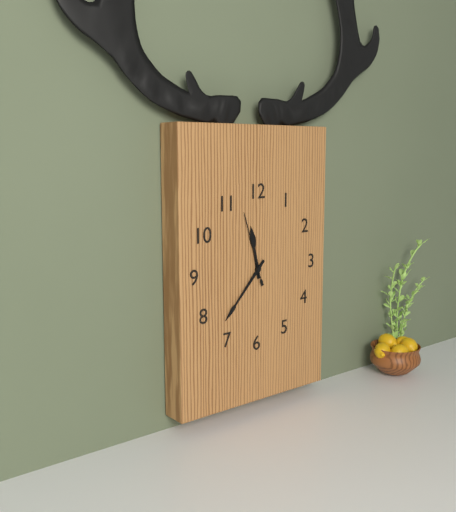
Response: 11:37:57
